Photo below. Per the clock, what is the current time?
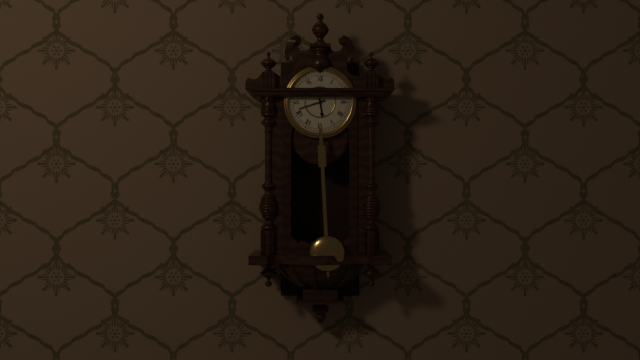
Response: 5:42
